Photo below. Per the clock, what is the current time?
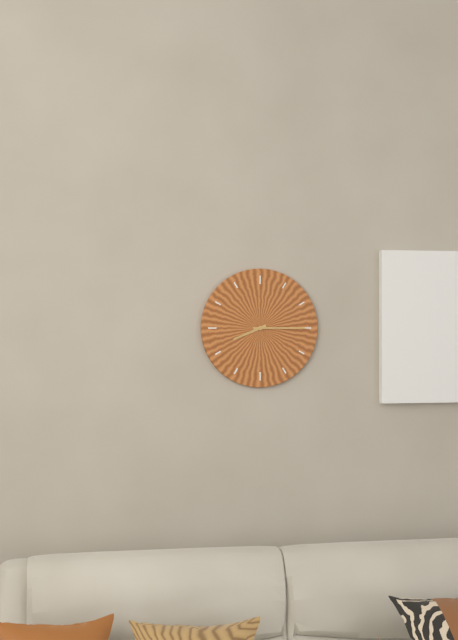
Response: 8:15
